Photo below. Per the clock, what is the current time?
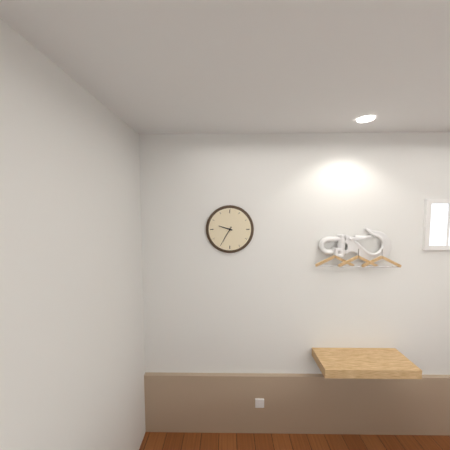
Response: 9:35
